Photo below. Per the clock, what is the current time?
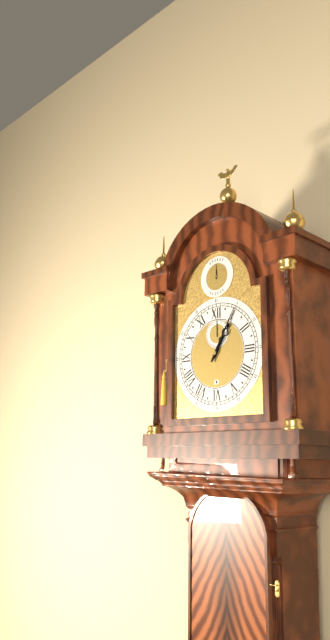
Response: 1:05
